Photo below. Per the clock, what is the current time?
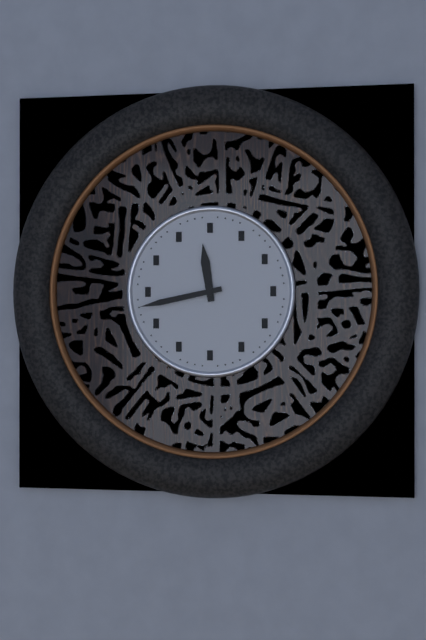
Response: 11:43
